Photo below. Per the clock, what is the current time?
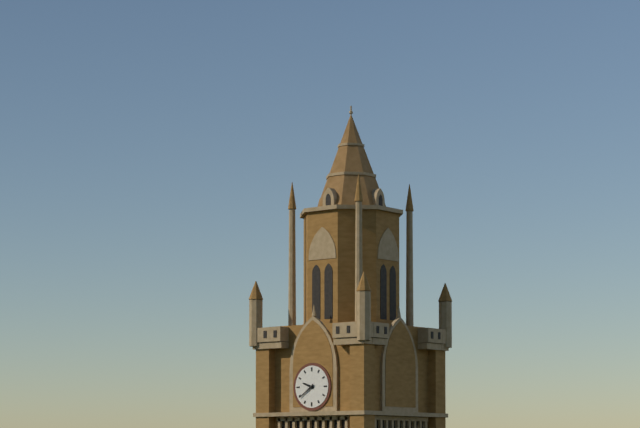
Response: 9:39
